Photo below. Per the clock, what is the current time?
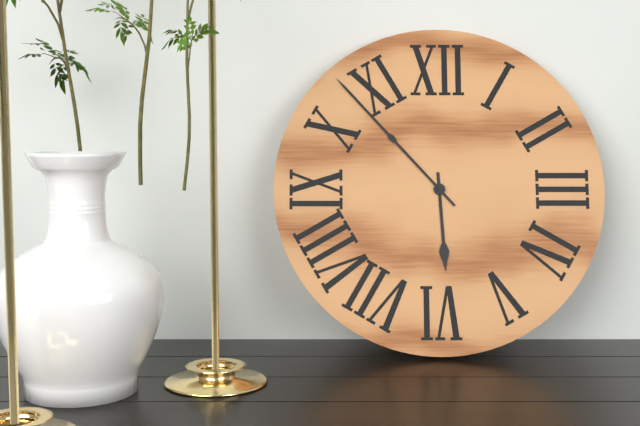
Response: 5:53
